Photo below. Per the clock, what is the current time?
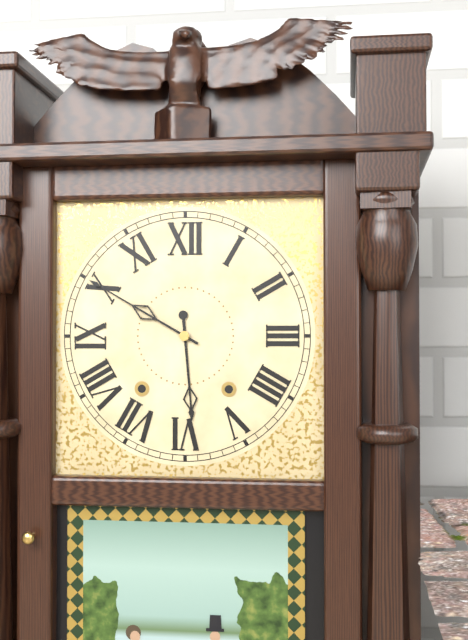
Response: 5:50
